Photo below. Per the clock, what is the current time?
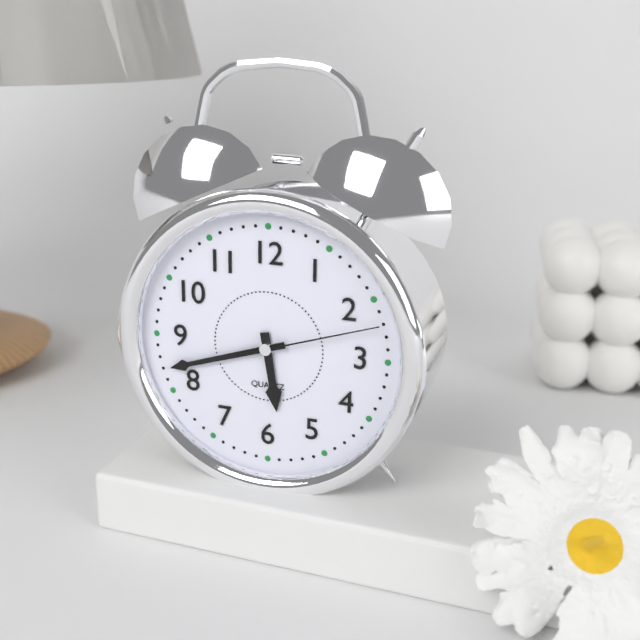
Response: 5:42:12
